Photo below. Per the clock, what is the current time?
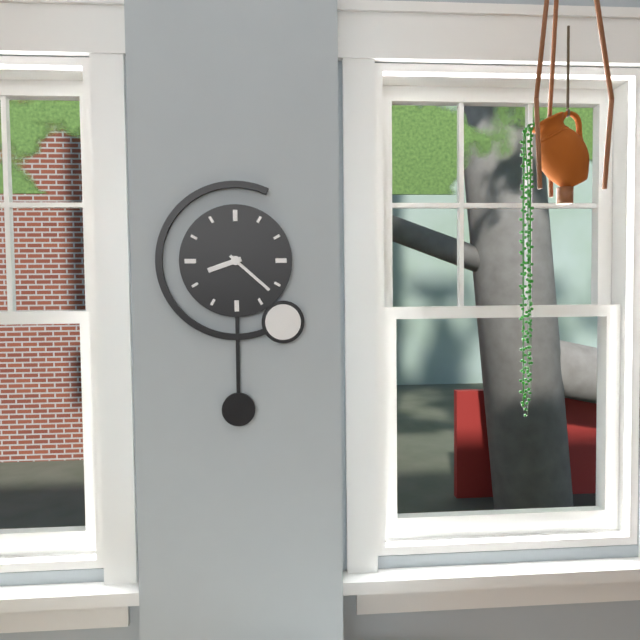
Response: 8:22
